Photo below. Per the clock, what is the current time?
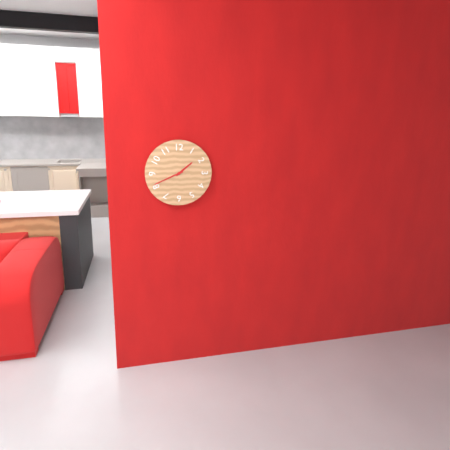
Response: 1:41
